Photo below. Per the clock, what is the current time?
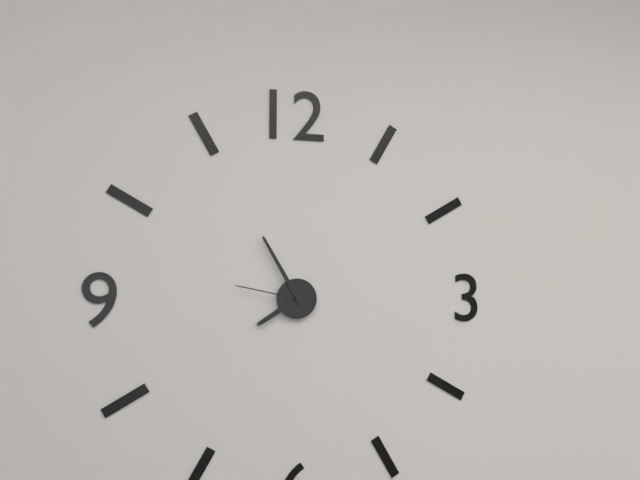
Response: 7:55:47
